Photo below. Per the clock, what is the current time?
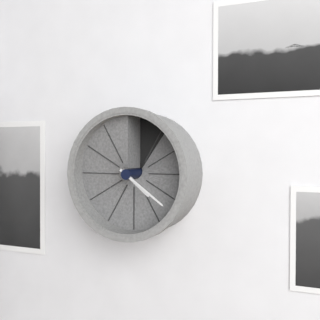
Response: 4:21
